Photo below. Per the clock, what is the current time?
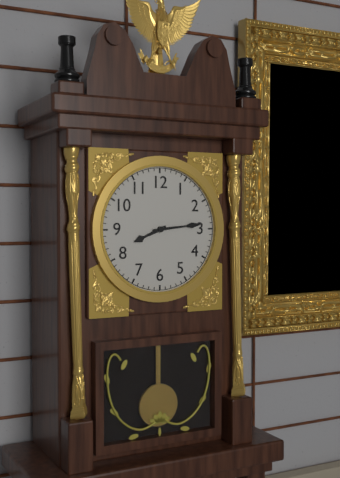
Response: 8:14
